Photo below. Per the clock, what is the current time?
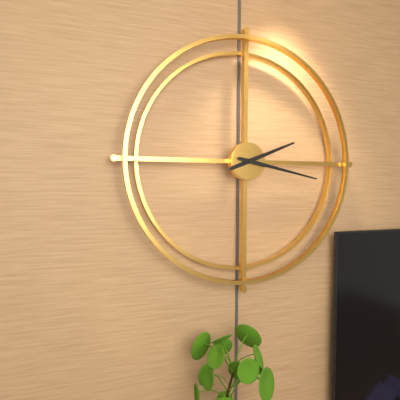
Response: 2:17
